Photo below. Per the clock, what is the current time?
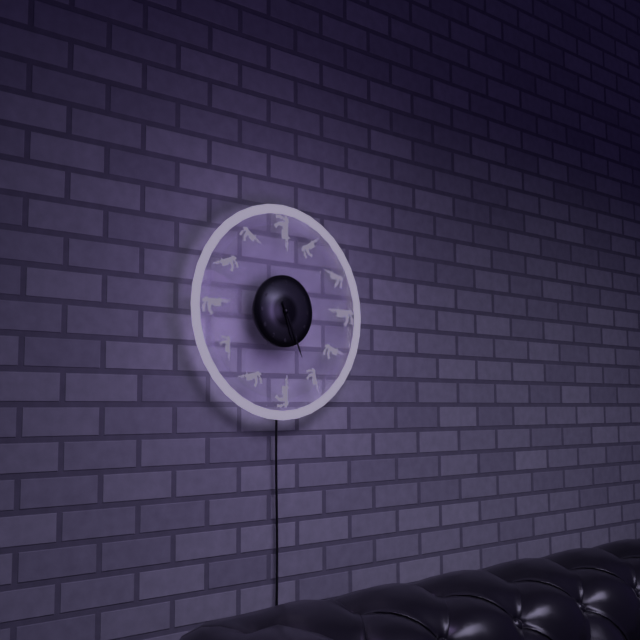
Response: 5:26
